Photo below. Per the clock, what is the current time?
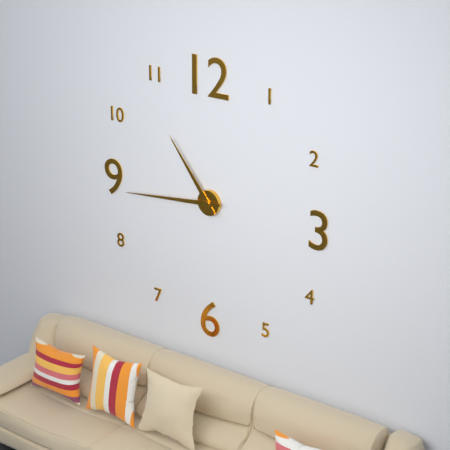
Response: 10:44
